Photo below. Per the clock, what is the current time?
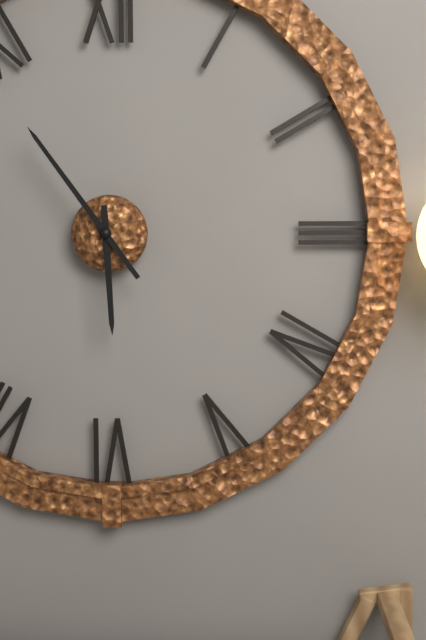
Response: 5:54
